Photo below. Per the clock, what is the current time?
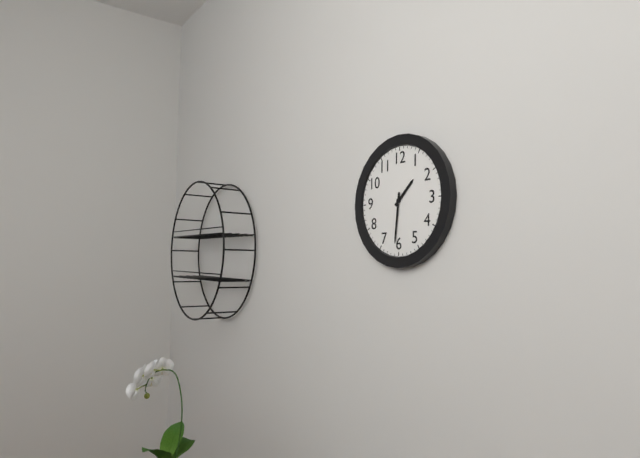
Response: 1:31
